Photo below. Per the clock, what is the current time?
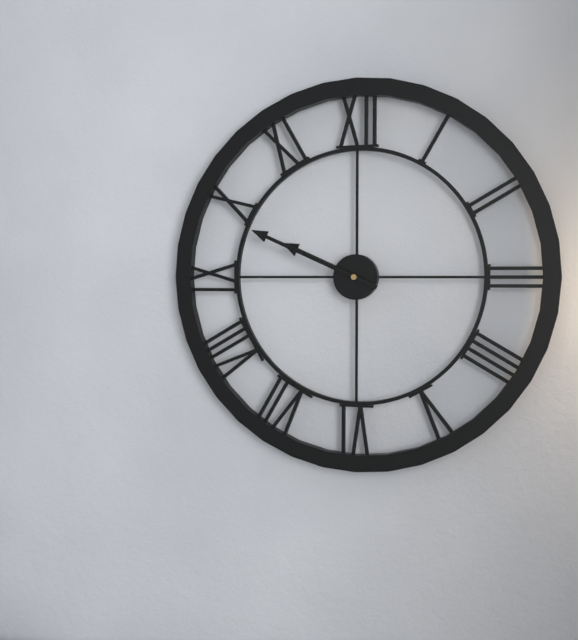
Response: 9:49
